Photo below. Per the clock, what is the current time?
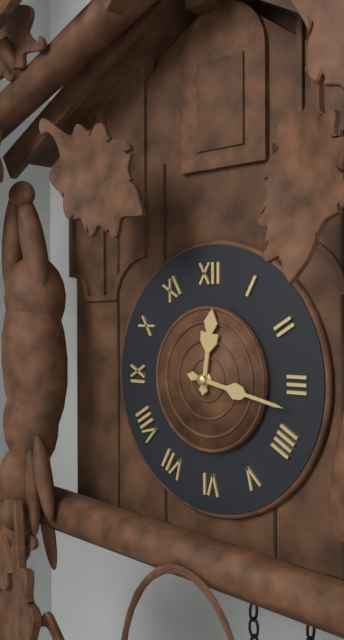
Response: 12:17
